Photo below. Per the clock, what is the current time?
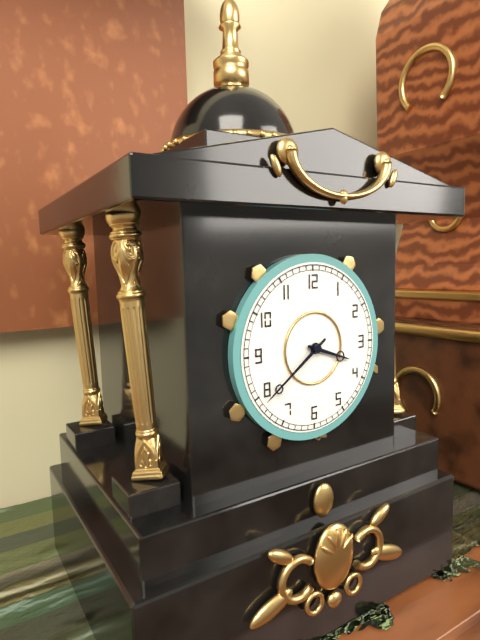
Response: 3:39
